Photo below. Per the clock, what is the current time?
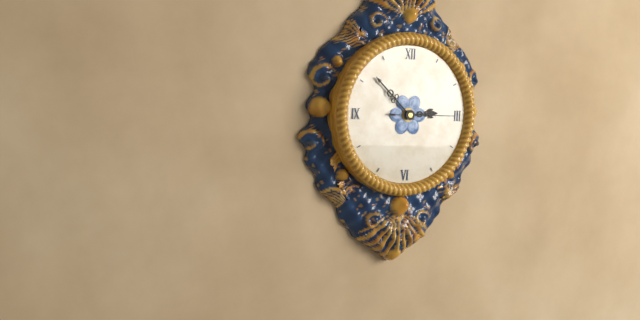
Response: 2:52:15
